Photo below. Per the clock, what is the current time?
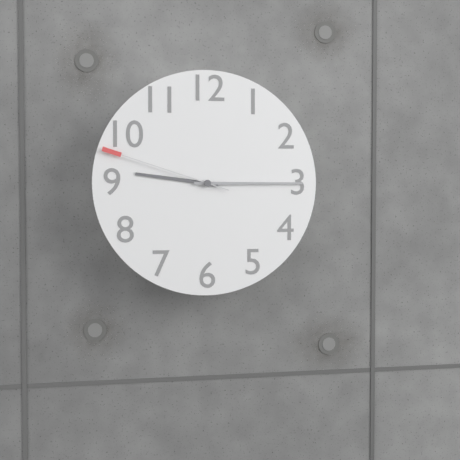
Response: 9:15:48
